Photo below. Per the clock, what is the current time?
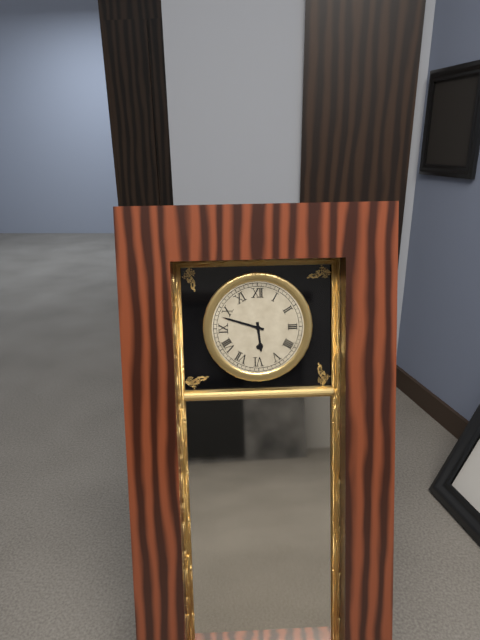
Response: 5:48
